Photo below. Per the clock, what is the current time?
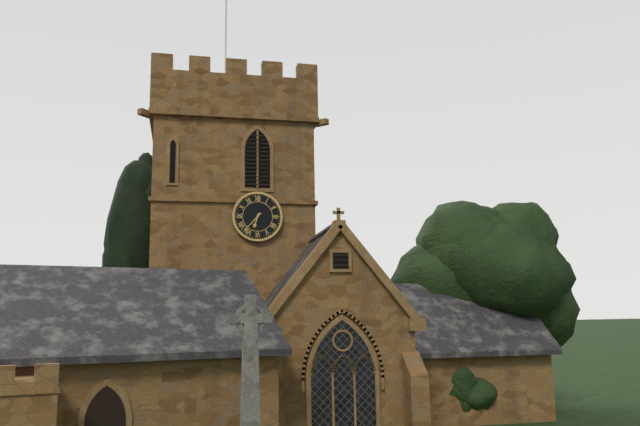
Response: 6:37
